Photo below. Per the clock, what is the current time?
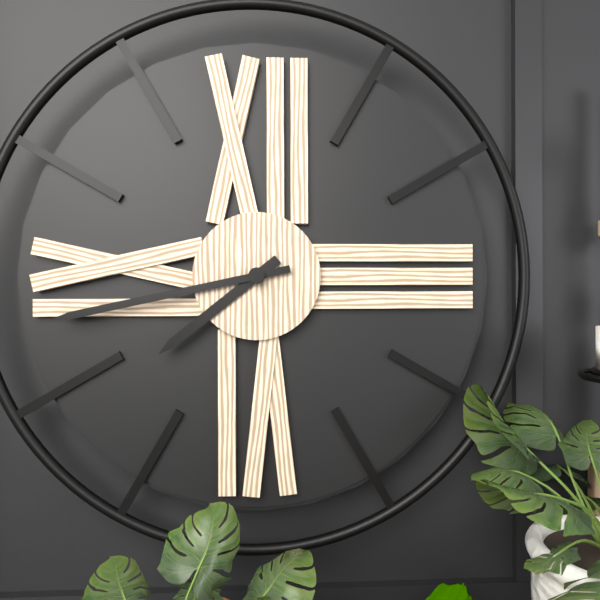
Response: 7:43
